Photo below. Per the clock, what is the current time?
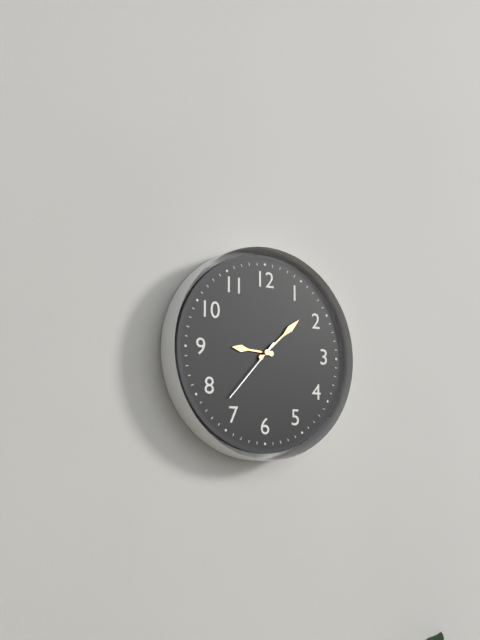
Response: 9:08:37
